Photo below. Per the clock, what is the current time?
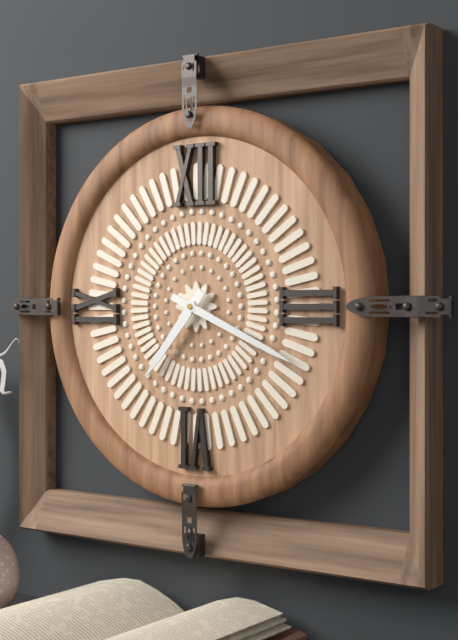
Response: 7:19
